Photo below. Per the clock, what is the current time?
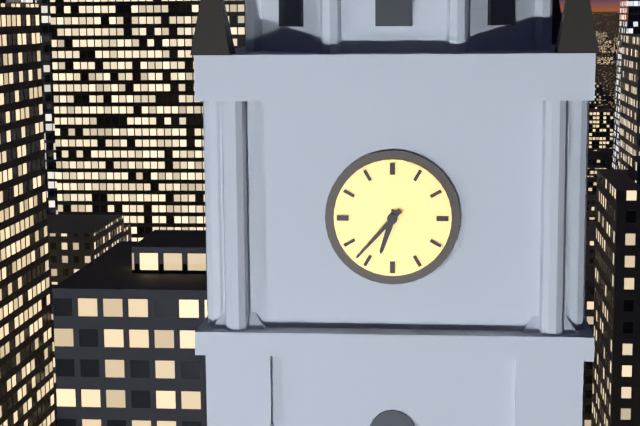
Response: 6:37
